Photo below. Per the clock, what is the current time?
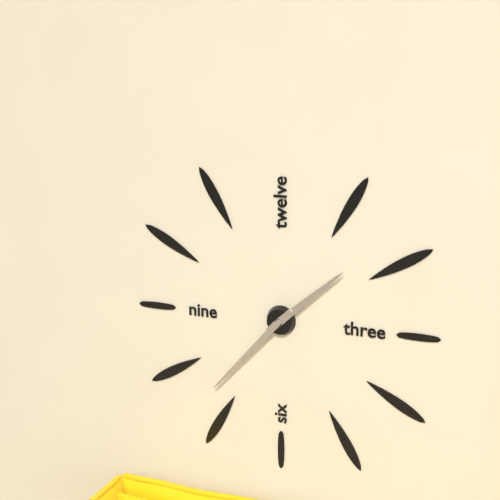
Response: 1:37
